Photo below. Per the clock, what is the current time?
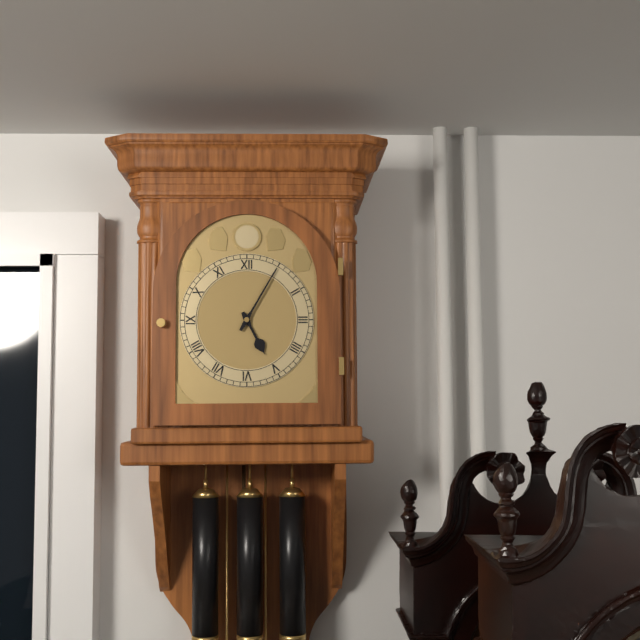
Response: 5:05
